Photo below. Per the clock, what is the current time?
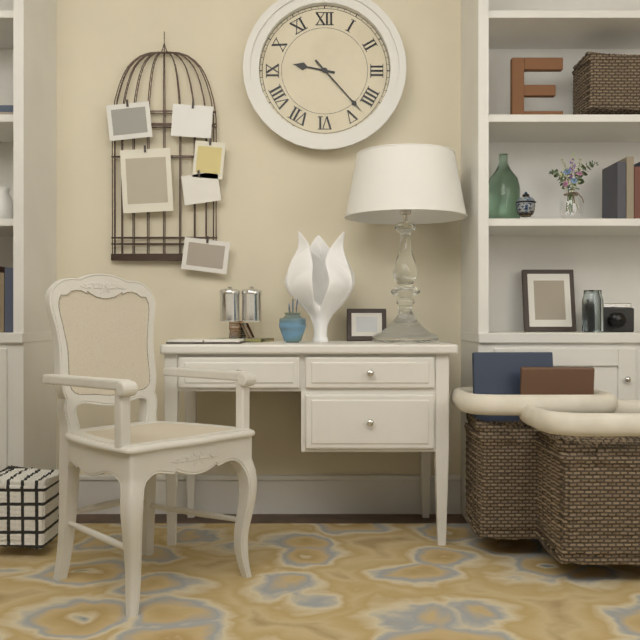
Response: 9:23
